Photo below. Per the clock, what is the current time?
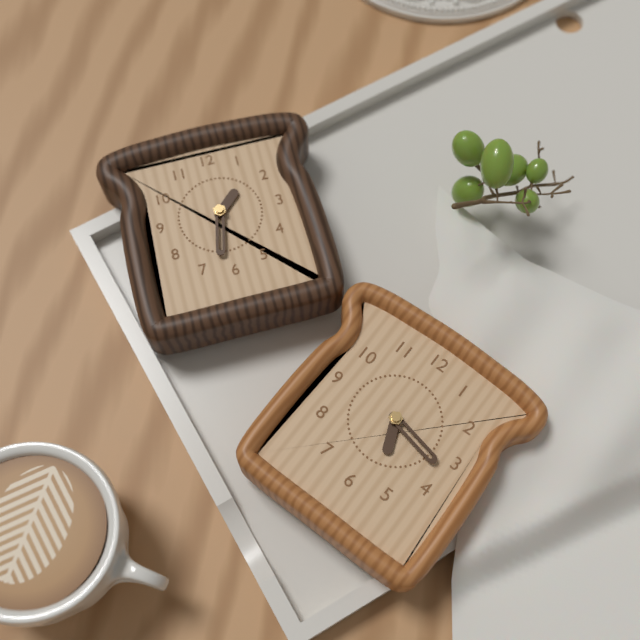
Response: 5:17
